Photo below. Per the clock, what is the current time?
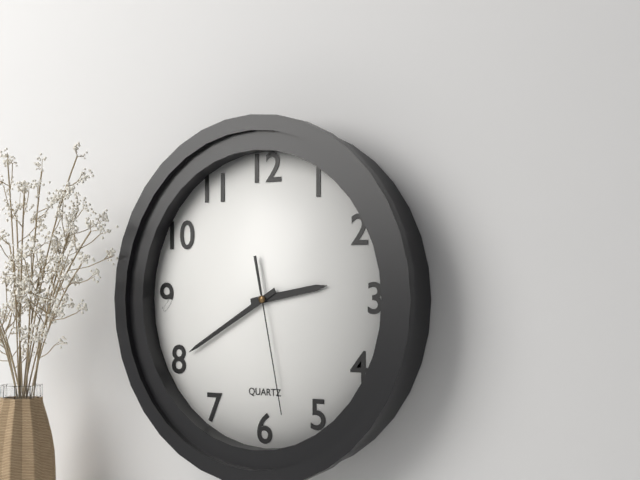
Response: 2:40:28
